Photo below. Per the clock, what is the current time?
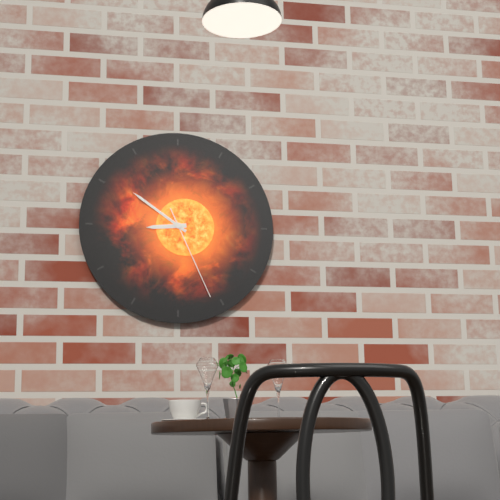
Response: 8:51:26
